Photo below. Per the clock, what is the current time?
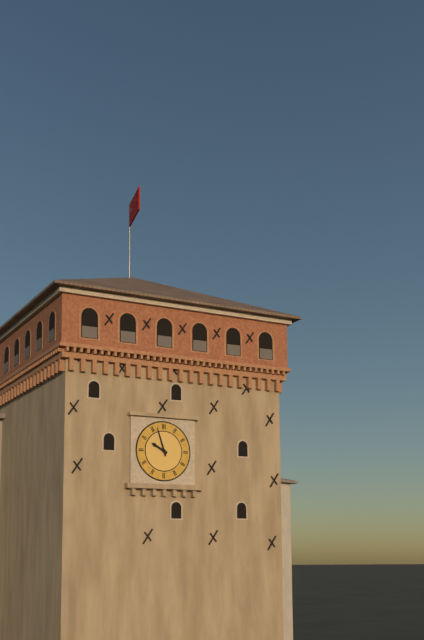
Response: 9:57
